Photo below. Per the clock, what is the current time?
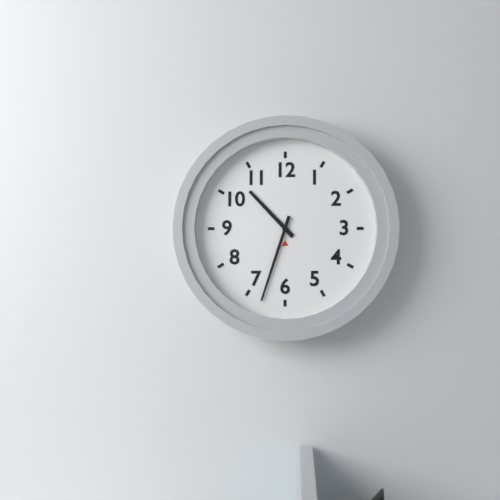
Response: 10:33
